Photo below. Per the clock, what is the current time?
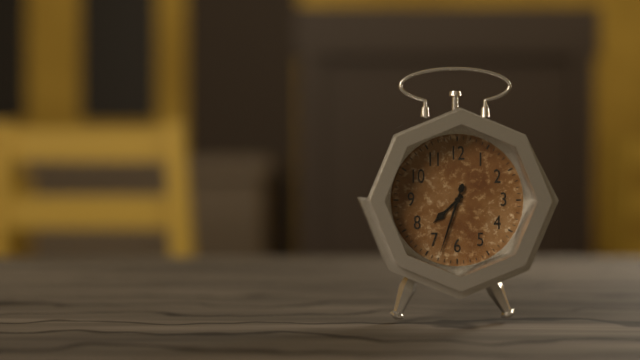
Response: 7:33
